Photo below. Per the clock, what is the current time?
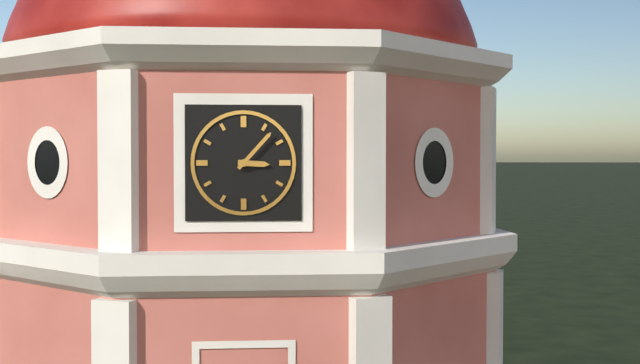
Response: 3:07
